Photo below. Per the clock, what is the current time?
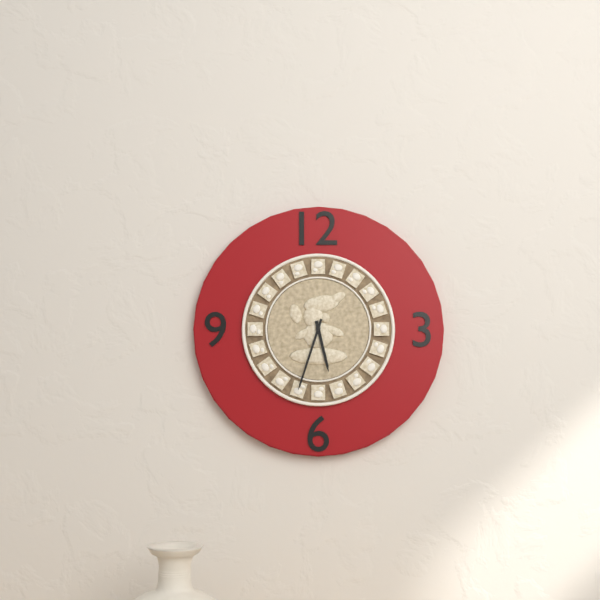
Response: 5:33
